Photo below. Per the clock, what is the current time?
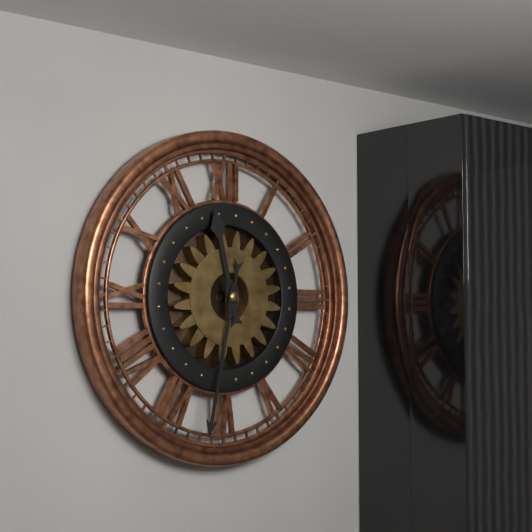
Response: 11:32
